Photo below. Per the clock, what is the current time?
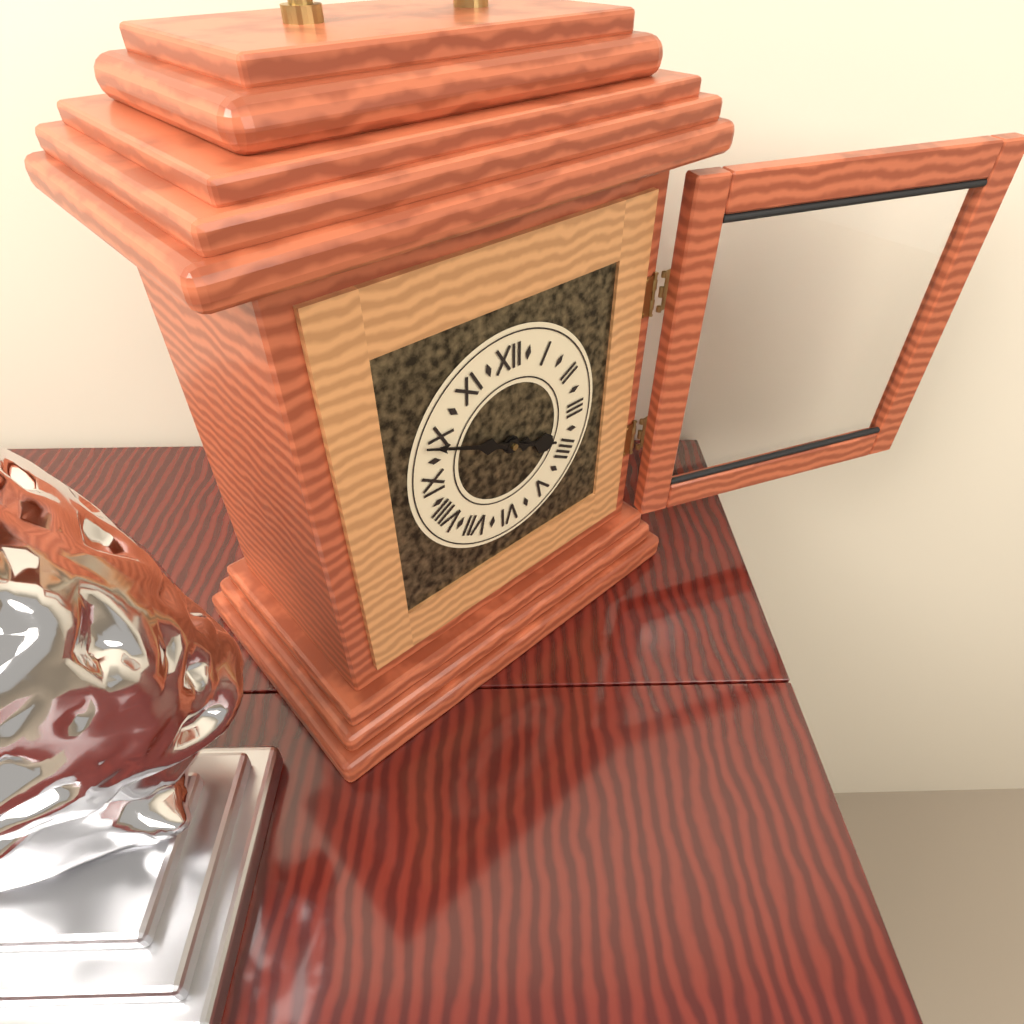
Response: 3:49
